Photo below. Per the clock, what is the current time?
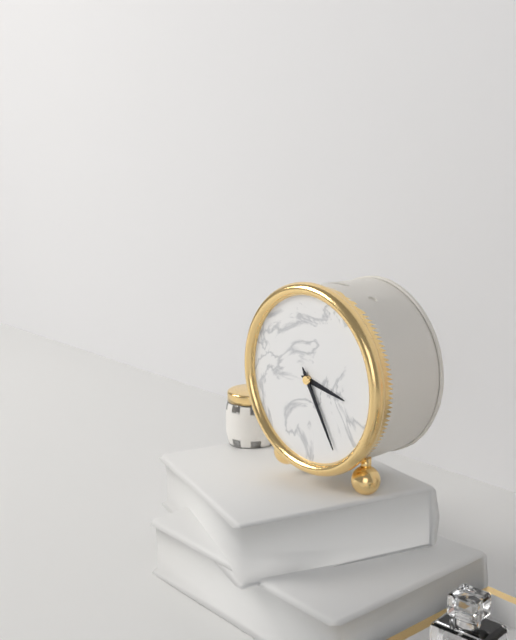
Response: 3:25
